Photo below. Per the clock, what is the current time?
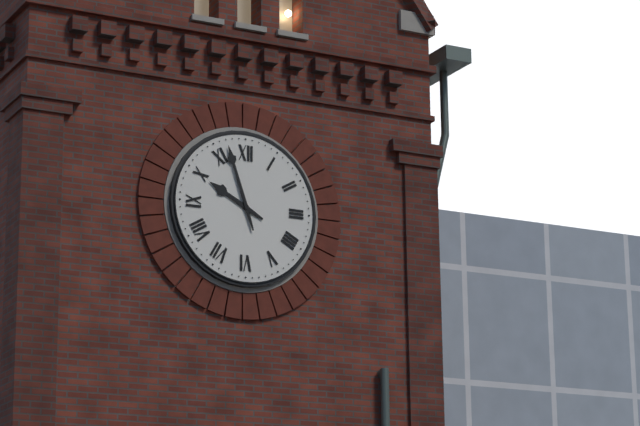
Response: 9:57
